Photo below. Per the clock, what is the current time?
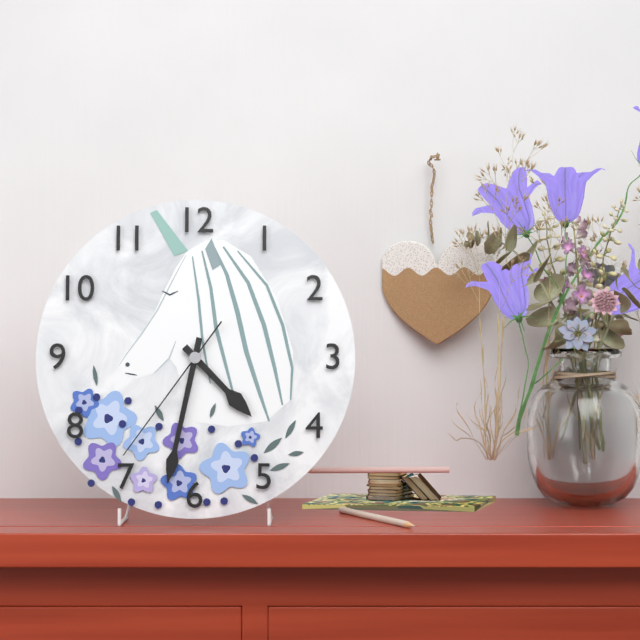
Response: 4:32:36
